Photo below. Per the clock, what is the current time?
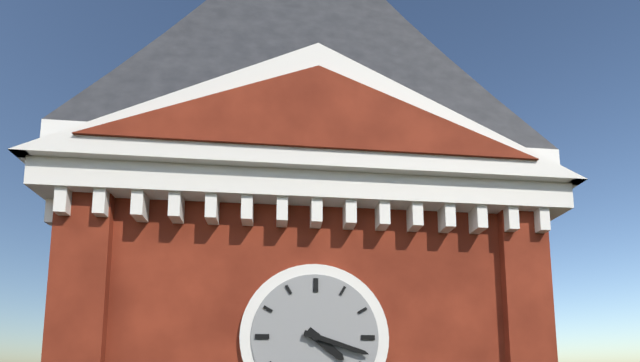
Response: 4:18
